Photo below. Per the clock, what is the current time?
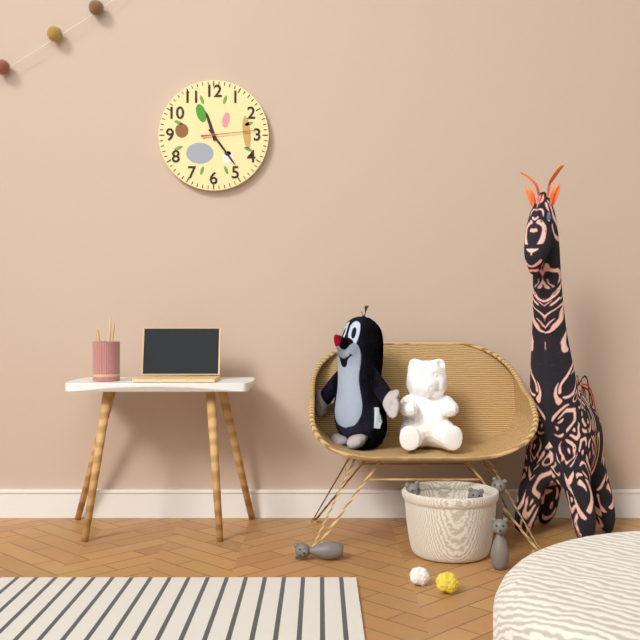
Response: 11:24:14
